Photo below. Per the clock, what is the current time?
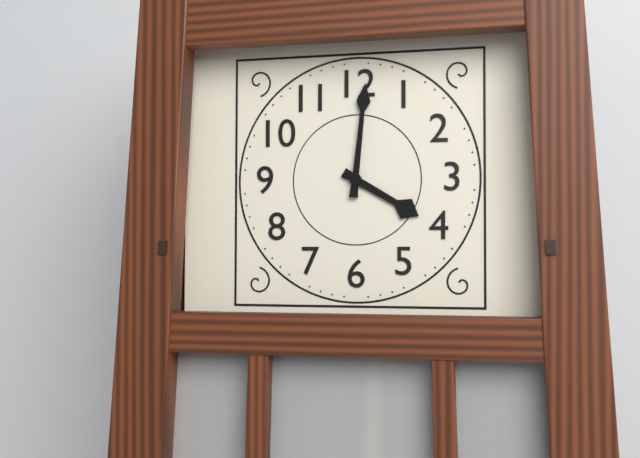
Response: 4:01
